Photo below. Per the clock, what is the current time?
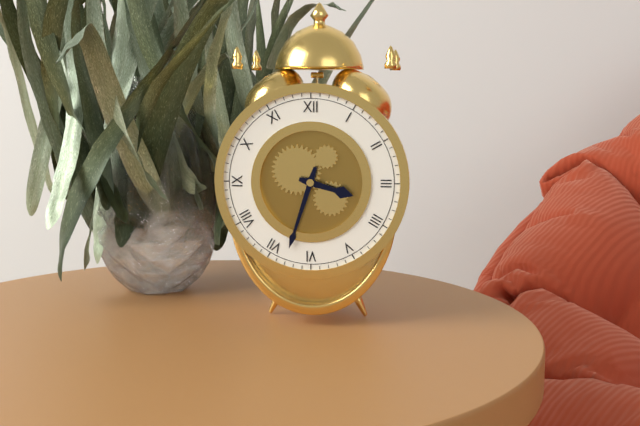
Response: 3:33
